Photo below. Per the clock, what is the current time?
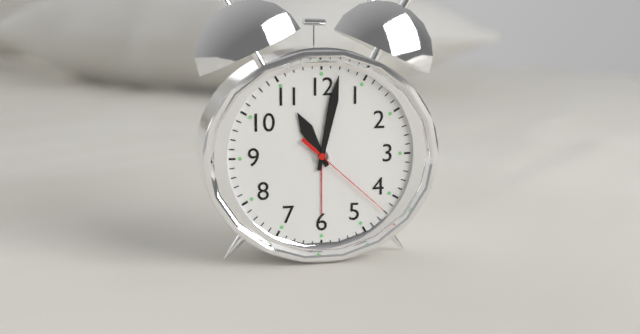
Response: 11:02:22
